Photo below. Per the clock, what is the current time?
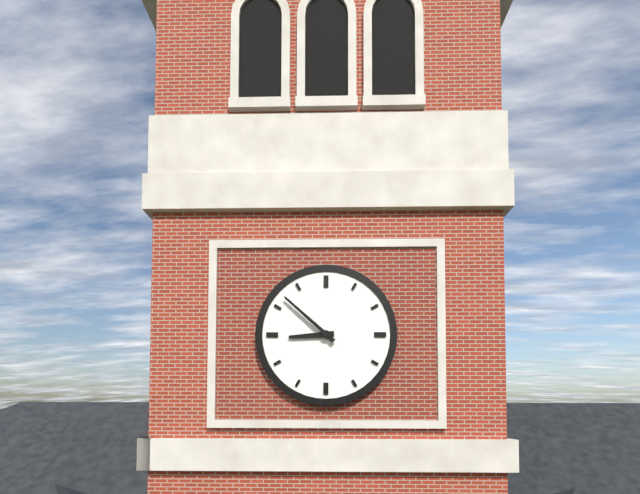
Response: 8:52
